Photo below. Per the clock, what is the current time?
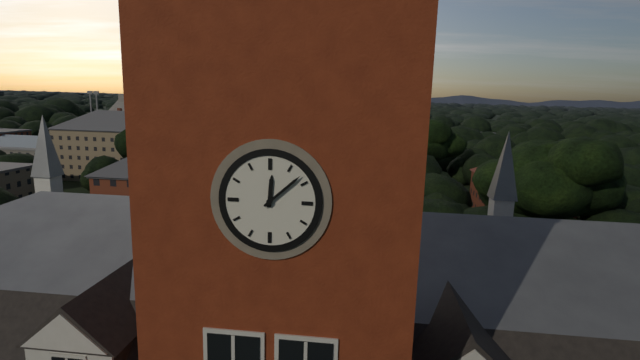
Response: 12:08
